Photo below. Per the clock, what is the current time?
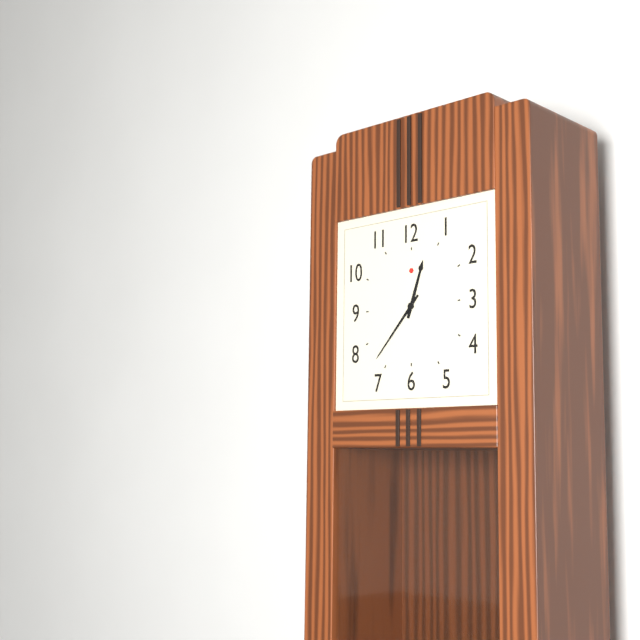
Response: 12:37
